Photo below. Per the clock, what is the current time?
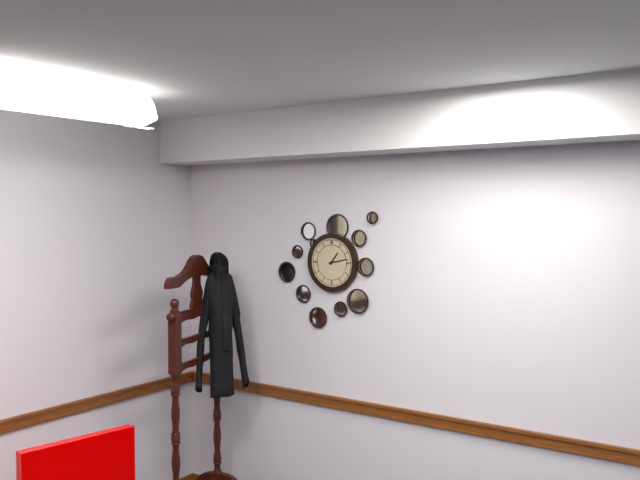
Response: 1:13
